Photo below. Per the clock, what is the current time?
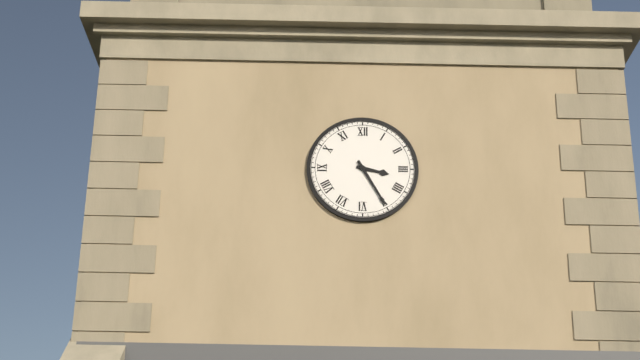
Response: 3:25
